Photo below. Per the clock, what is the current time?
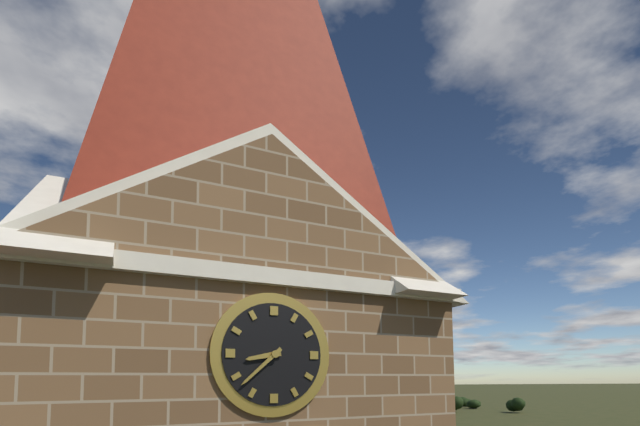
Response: 8:38
